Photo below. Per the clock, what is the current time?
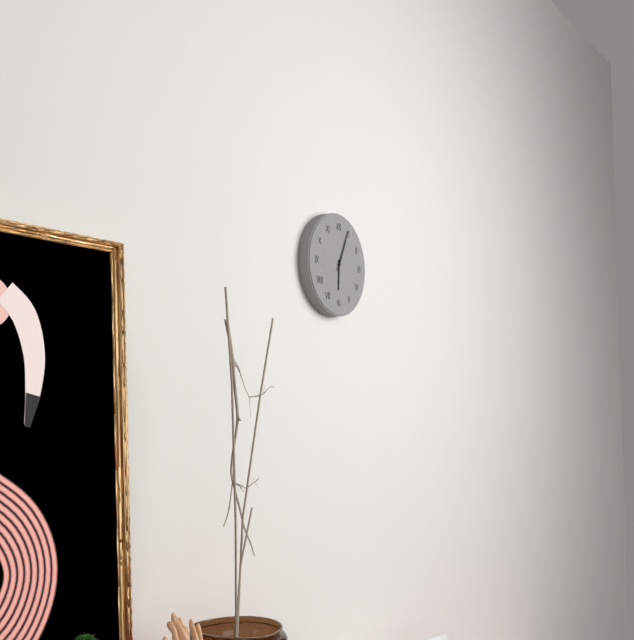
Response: 6:04
